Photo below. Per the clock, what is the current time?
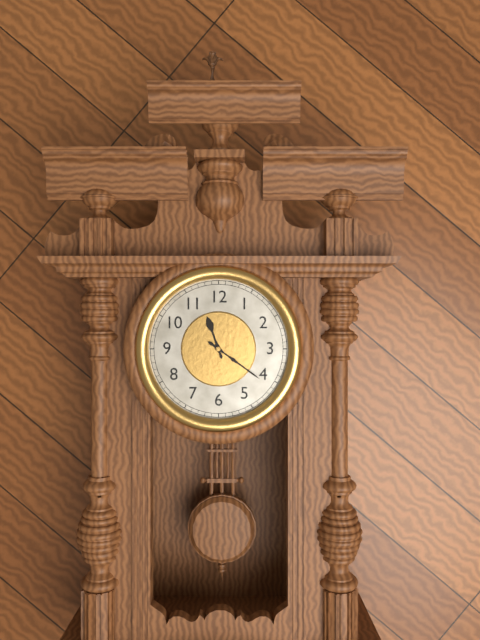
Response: 11:21
